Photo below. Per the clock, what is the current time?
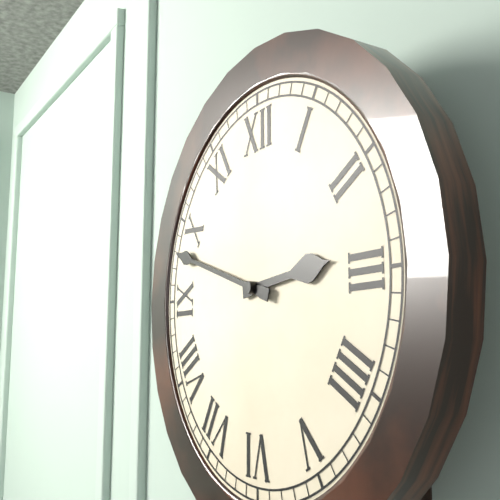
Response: 2:48
